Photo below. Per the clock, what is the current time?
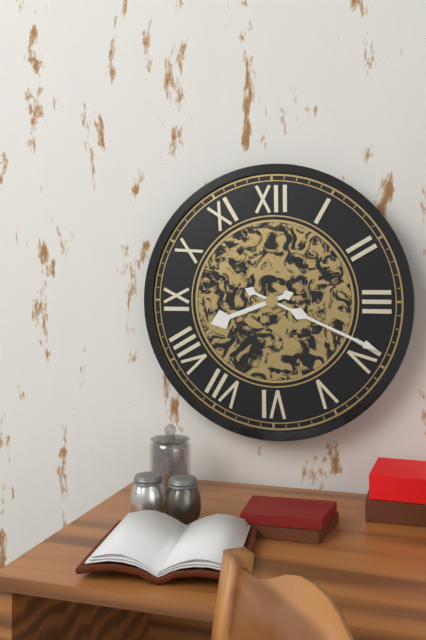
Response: 8:19
